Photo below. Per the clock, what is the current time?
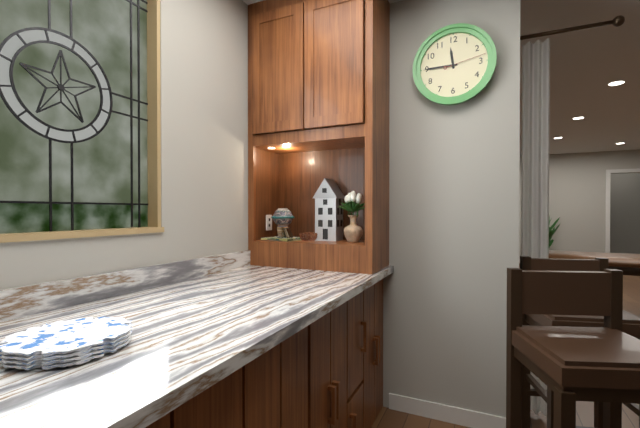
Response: 11:45
